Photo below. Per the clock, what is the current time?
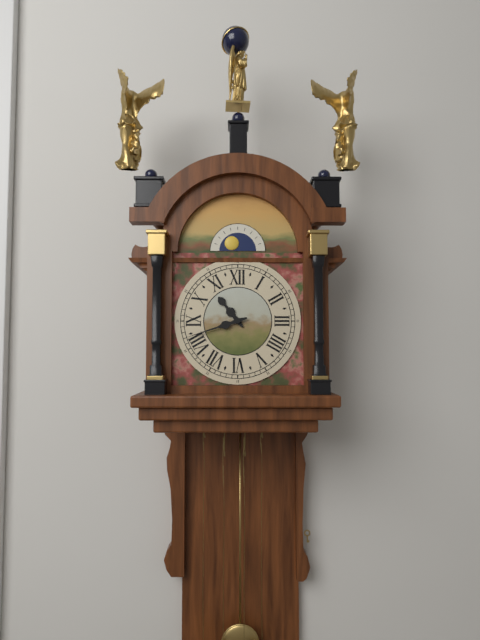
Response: 10:42
